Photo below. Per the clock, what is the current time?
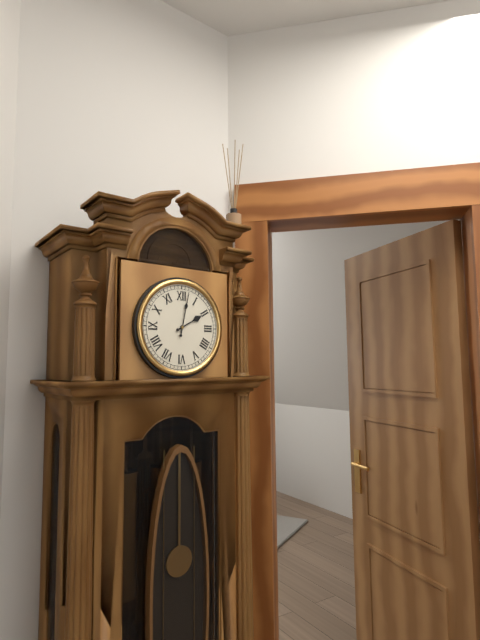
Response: 2:02
